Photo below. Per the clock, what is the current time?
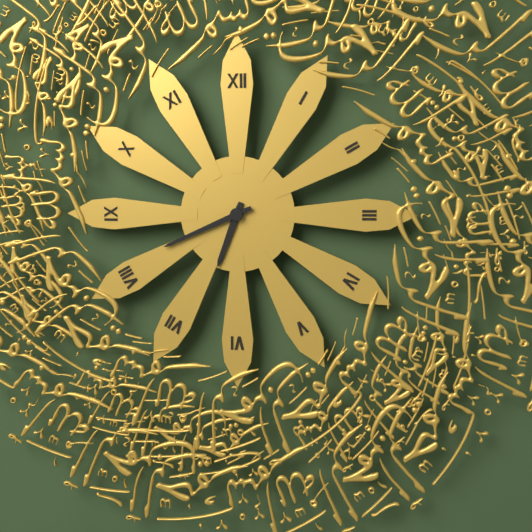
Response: 6:41
